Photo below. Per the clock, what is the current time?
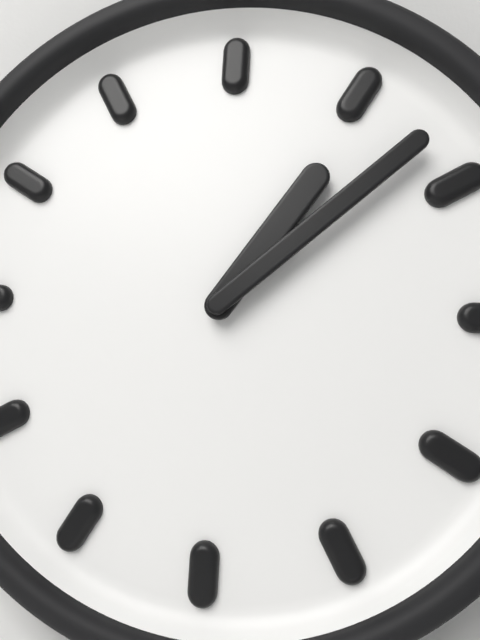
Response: 1:08
